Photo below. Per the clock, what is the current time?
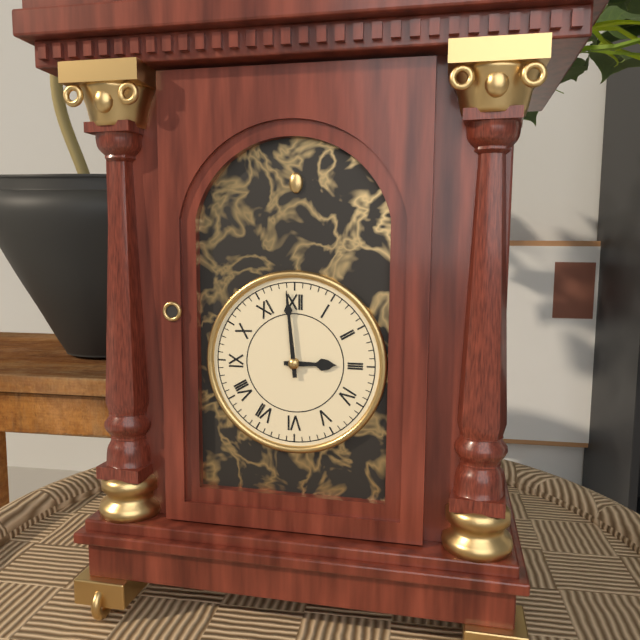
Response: 2:59
